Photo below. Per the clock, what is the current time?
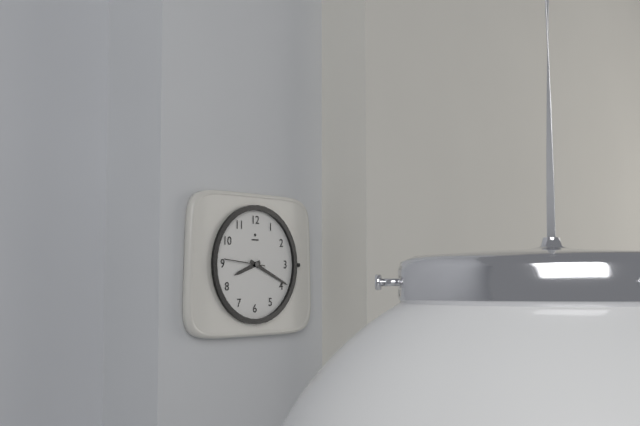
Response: 8:19
